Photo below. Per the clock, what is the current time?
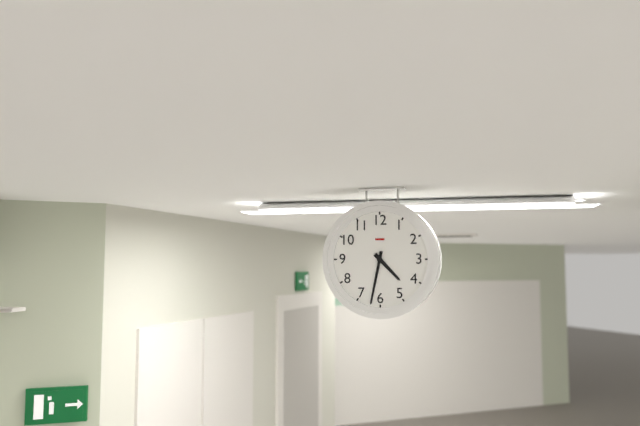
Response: 4:32
